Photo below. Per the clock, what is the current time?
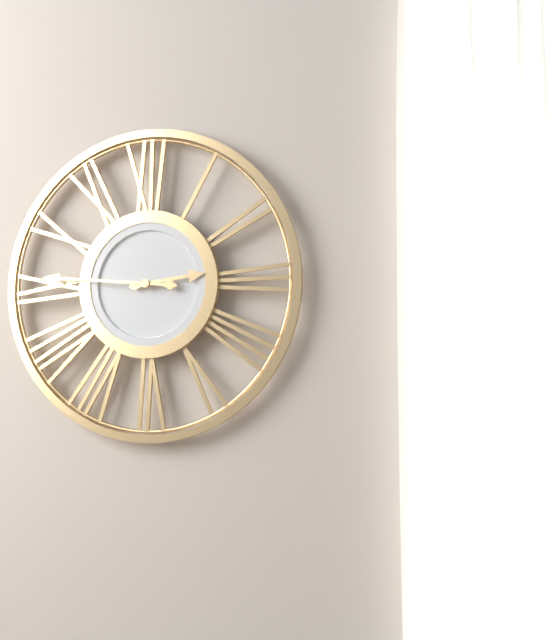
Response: 2:46
